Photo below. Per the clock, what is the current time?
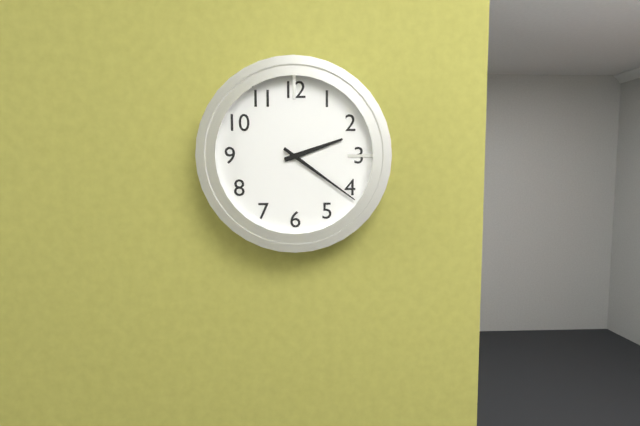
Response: 2:21
